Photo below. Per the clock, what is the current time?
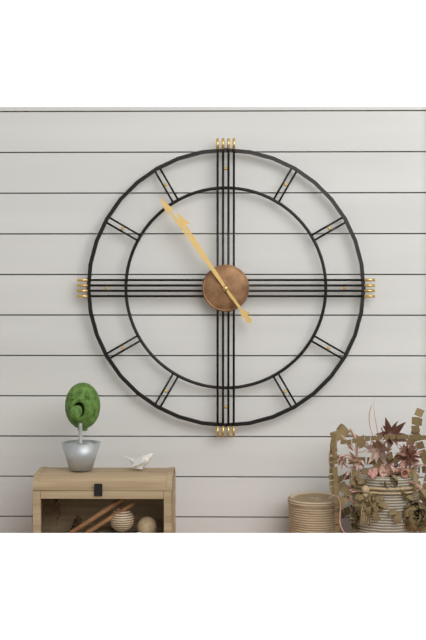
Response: 10:54
